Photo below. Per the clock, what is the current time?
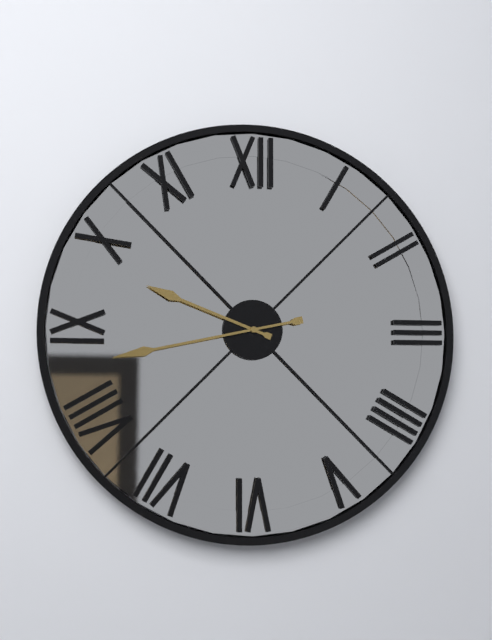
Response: 9:43
